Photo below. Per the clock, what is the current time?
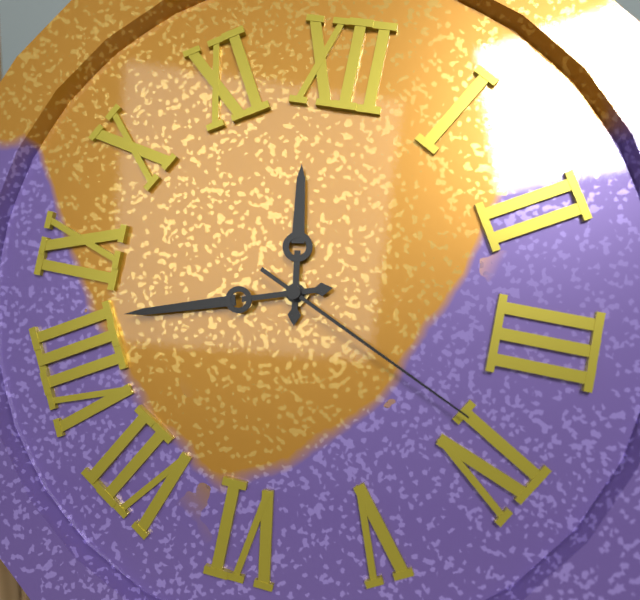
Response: 11:42:19
